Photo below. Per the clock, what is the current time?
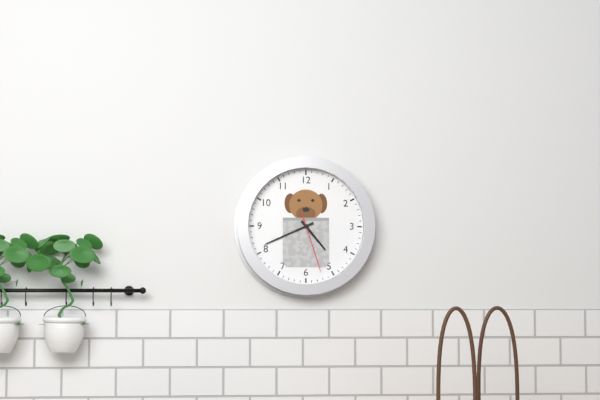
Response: 4:41:27
